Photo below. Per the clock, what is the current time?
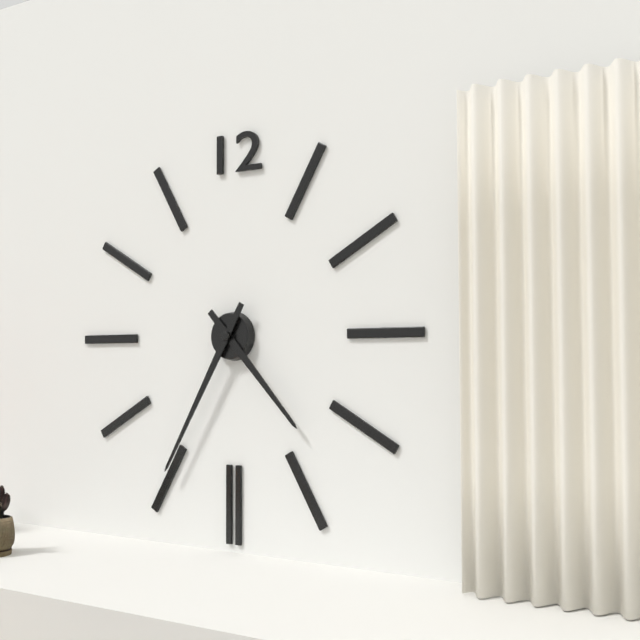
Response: 4:35
